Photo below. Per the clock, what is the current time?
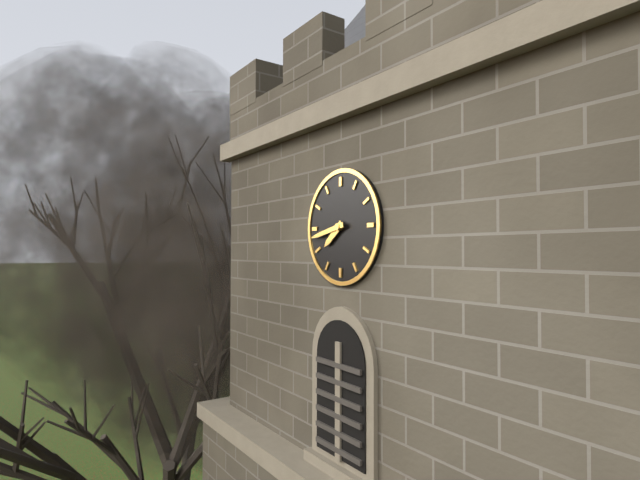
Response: 7:43
